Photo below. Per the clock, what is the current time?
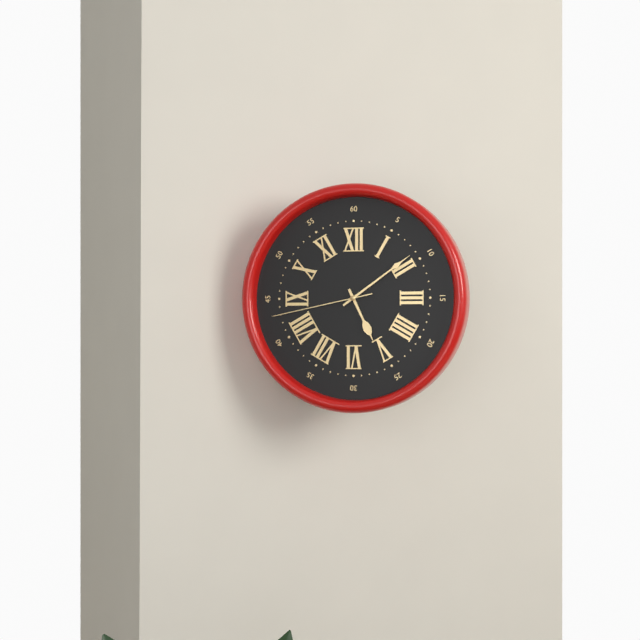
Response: 5:09:43
